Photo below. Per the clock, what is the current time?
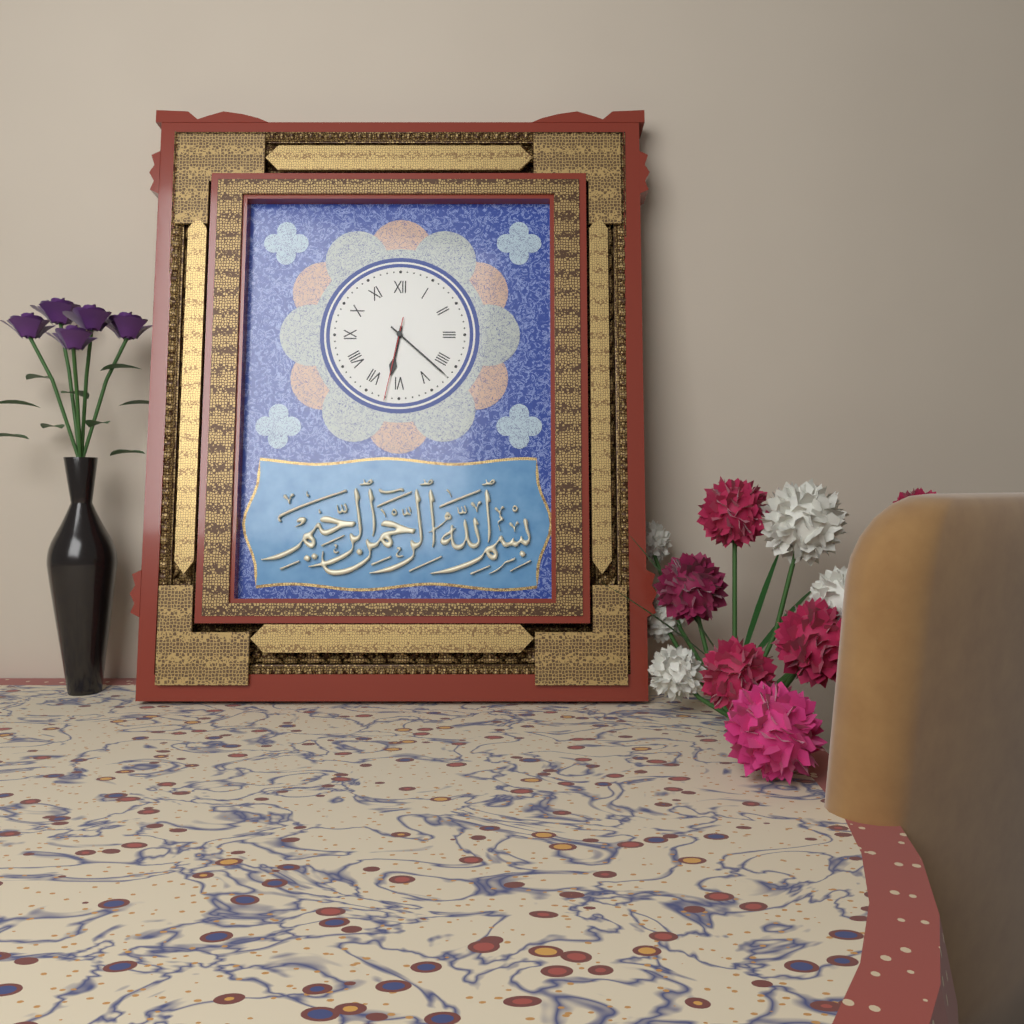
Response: 6:22:32
